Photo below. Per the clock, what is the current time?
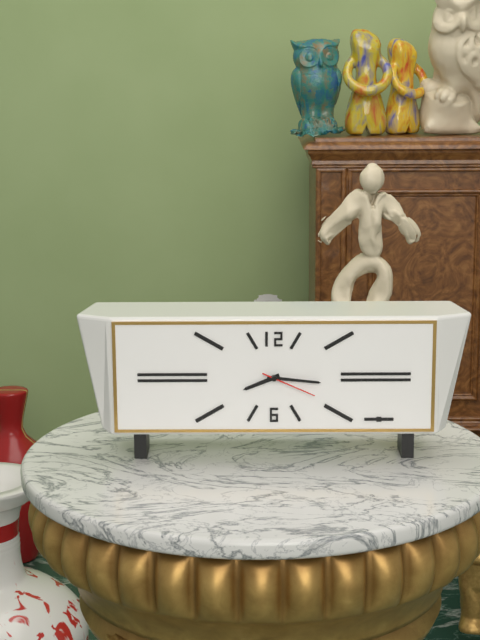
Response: 8:16:19
